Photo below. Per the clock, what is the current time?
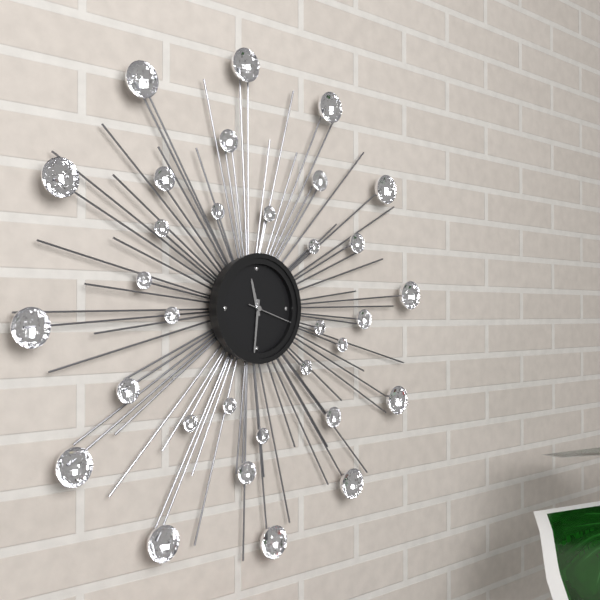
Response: 11:31
